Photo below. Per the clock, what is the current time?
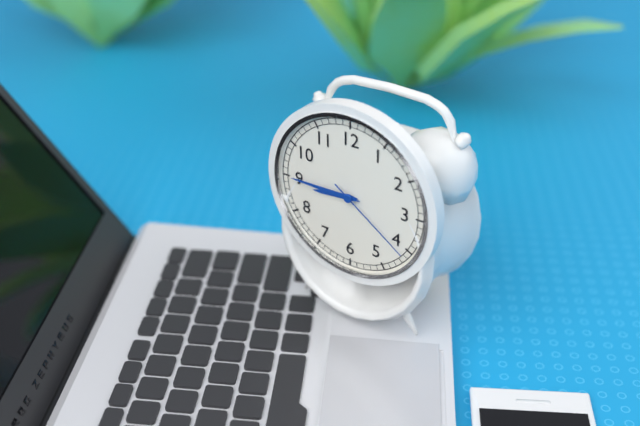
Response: 8:45:21
